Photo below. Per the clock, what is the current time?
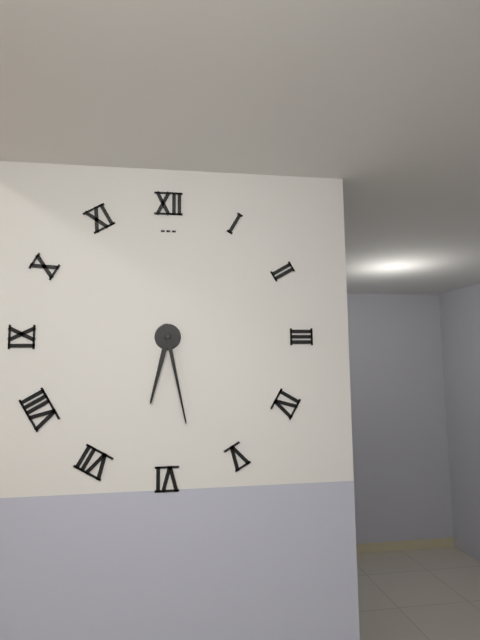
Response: 6:28
